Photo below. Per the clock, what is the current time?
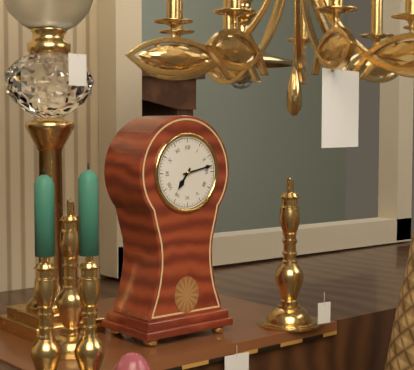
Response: 7:13
